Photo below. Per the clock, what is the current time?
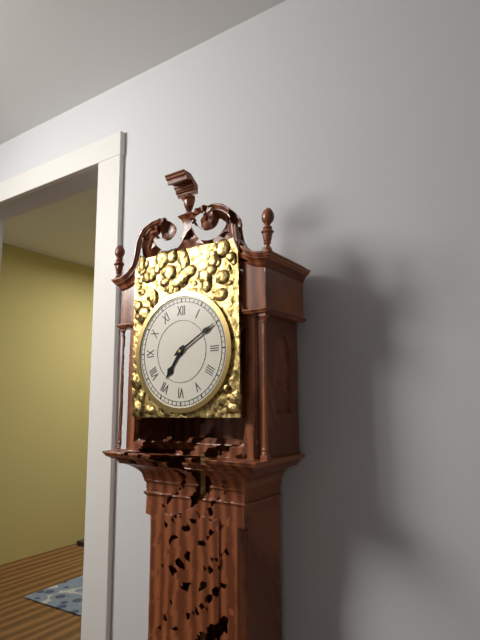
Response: 7:10
